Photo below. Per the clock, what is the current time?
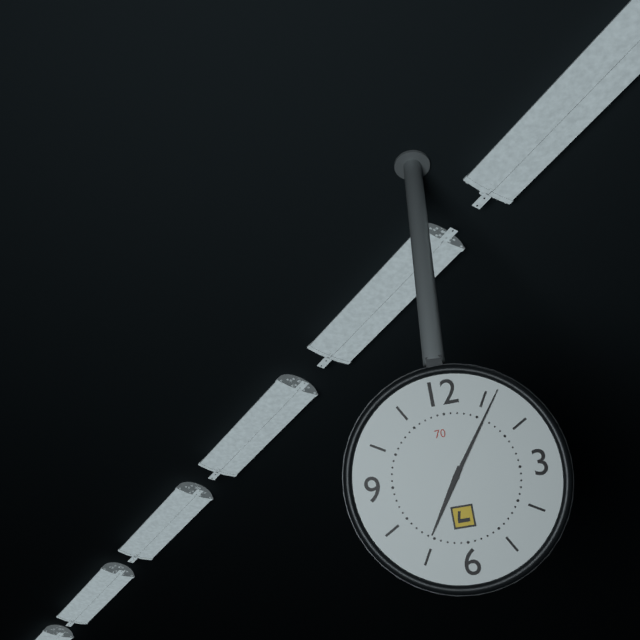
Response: 7:06
